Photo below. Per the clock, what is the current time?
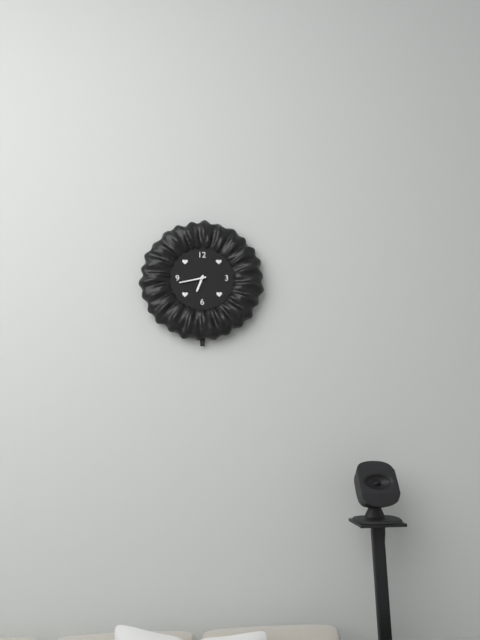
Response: 6:43
